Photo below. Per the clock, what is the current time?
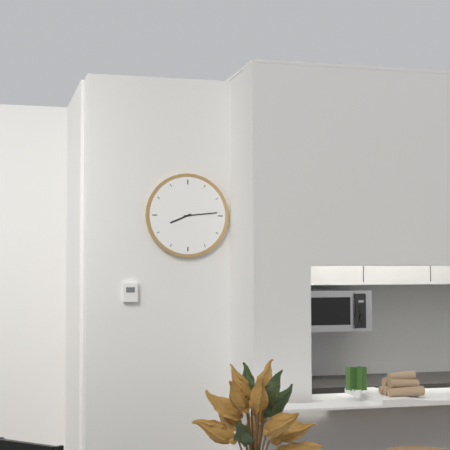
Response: 8:14
